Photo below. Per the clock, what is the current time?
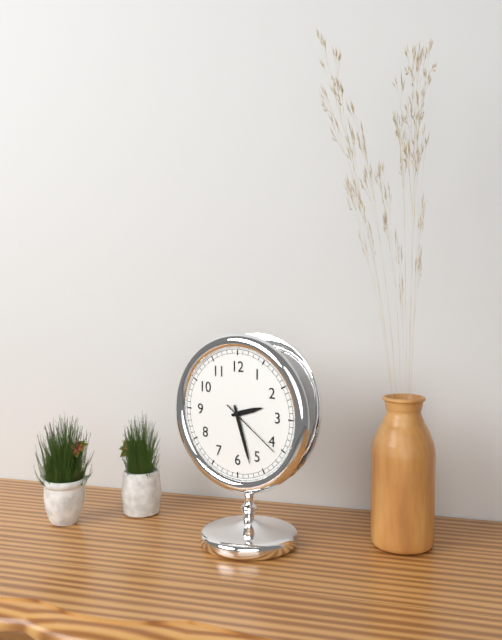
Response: 2:27:21
